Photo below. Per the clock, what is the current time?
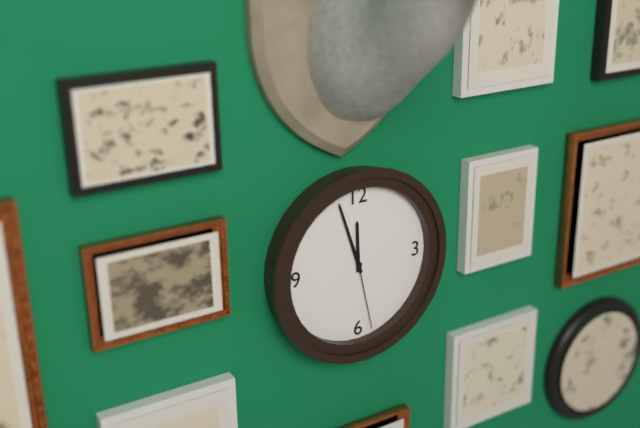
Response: 11:57:28
